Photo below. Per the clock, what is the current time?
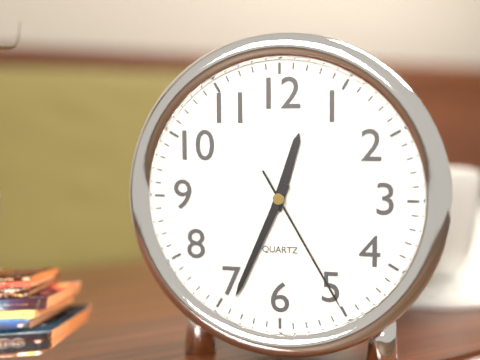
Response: 12:34:25
